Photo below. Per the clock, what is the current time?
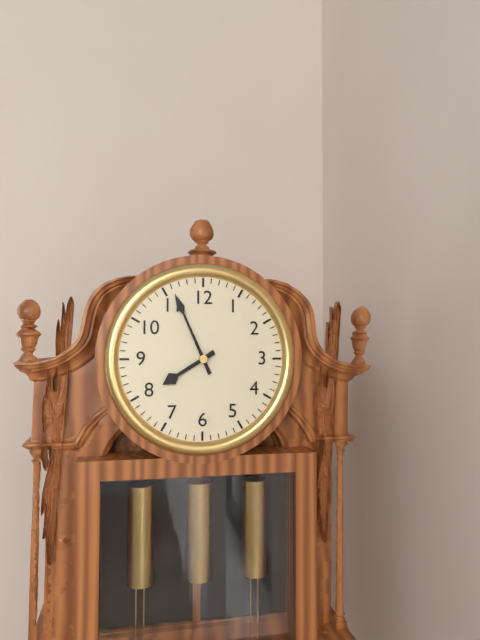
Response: 7:56
